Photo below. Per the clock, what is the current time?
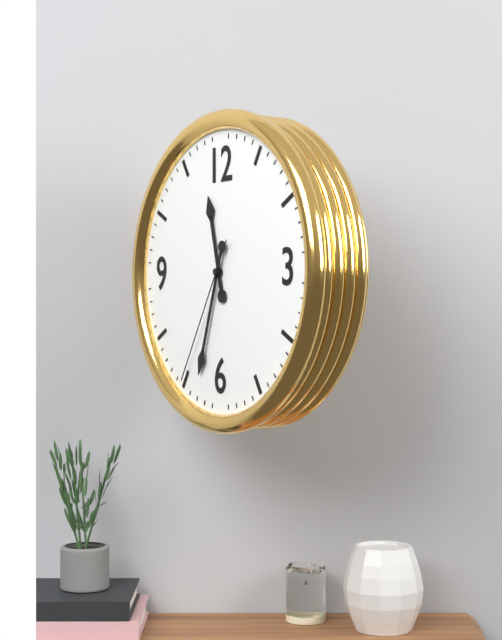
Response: 11:33:35
